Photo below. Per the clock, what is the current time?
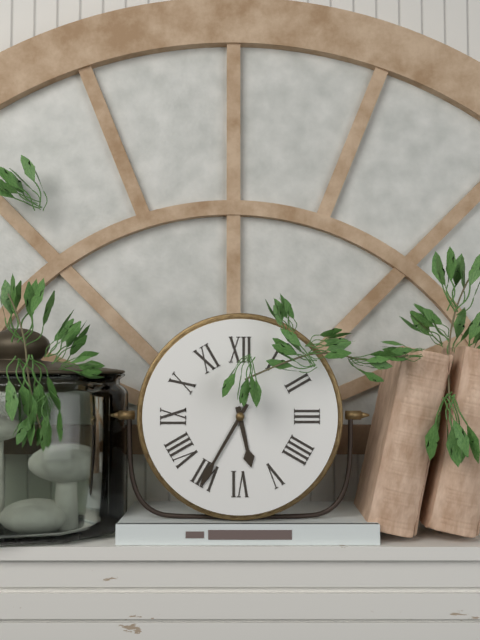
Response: 5:35
